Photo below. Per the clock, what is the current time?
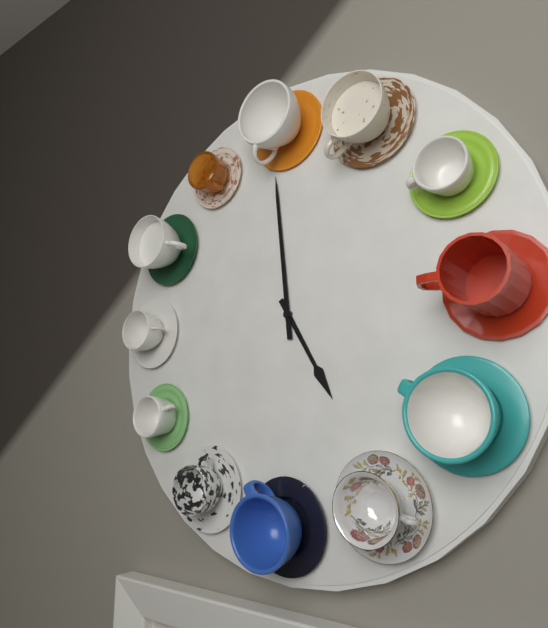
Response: 4:59
